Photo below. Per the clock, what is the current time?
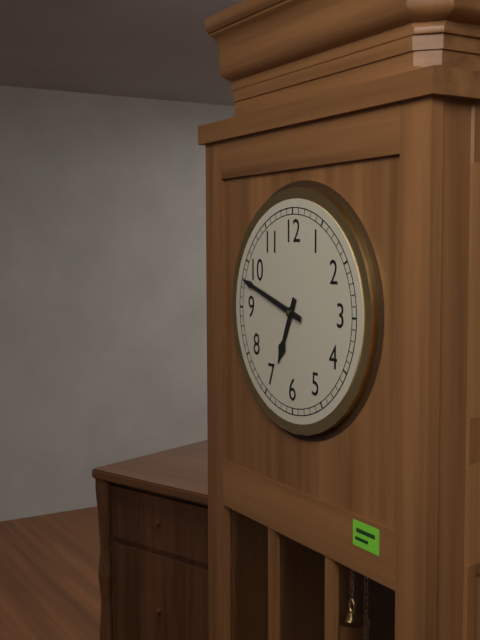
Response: 6:48
